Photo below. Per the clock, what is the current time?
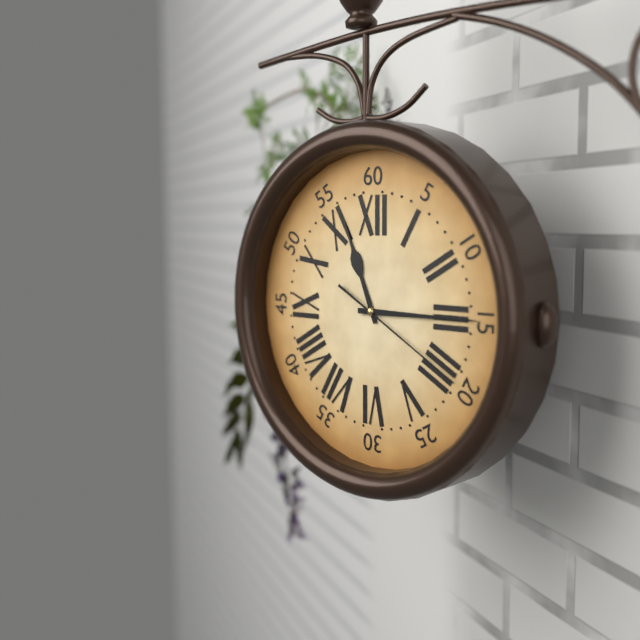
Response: 11:15:20
